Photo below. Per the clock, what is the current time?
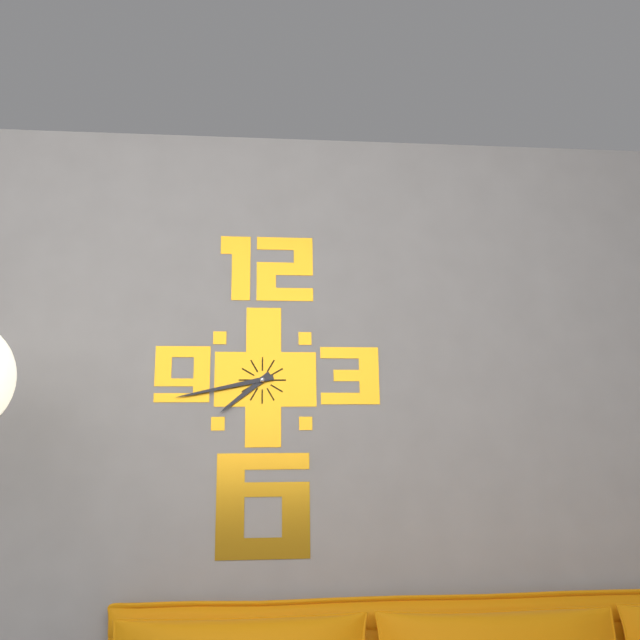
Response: 7:43
